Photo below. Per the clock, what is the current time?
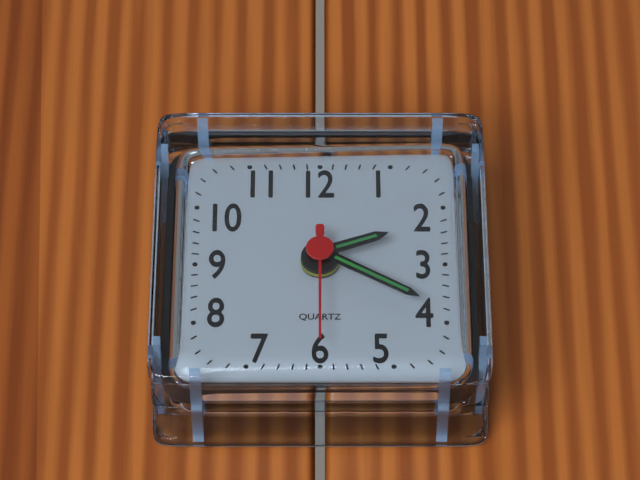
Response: 2:20:30
